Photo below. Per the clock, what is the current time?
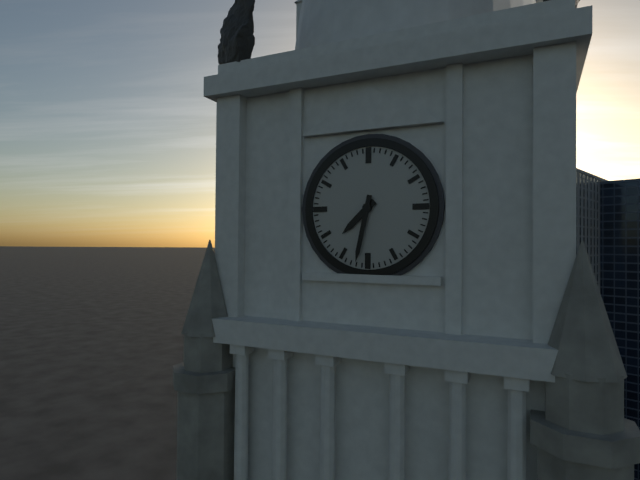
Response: 7:32
